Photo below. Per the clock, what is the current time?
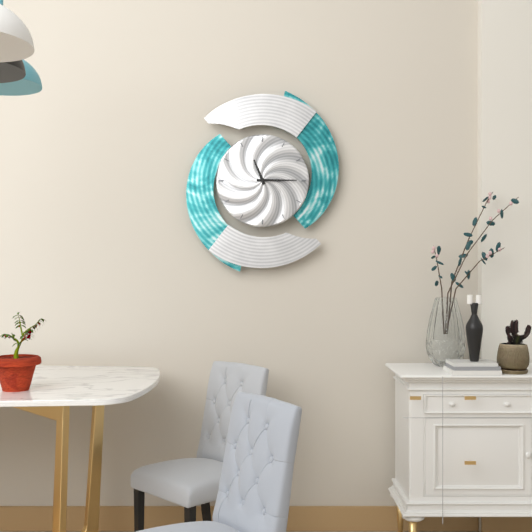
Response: 11:15
